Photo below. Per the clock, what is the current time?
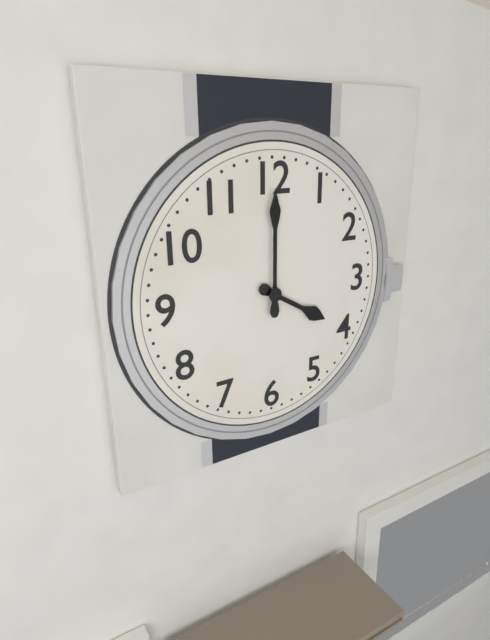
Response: 4:00
